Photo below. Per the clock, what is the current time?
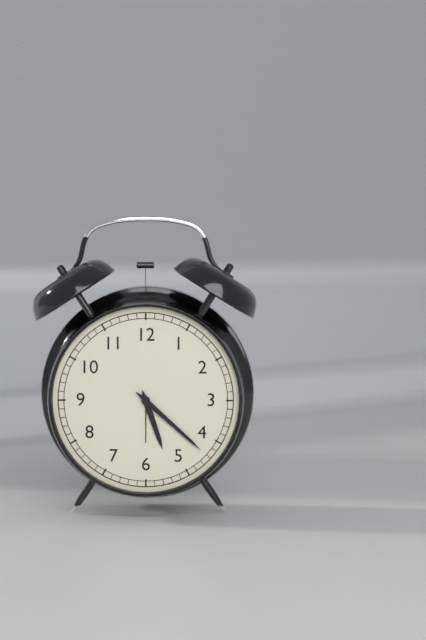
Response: 5:22
